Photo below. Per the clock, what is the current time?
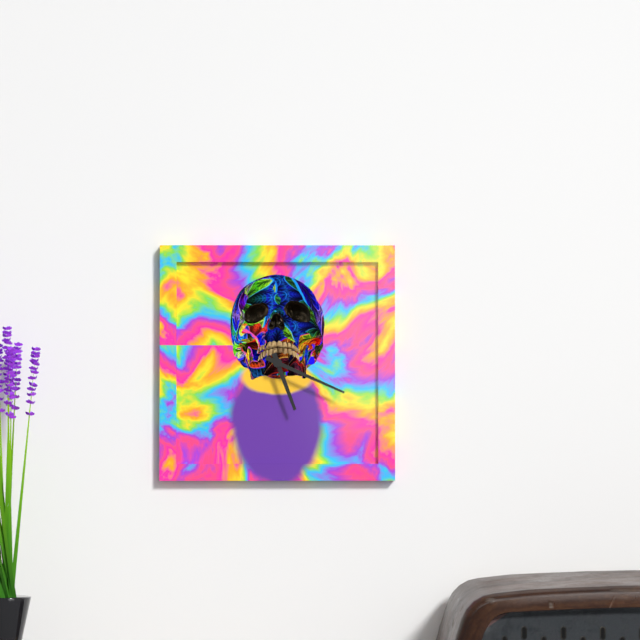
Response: 5:19
